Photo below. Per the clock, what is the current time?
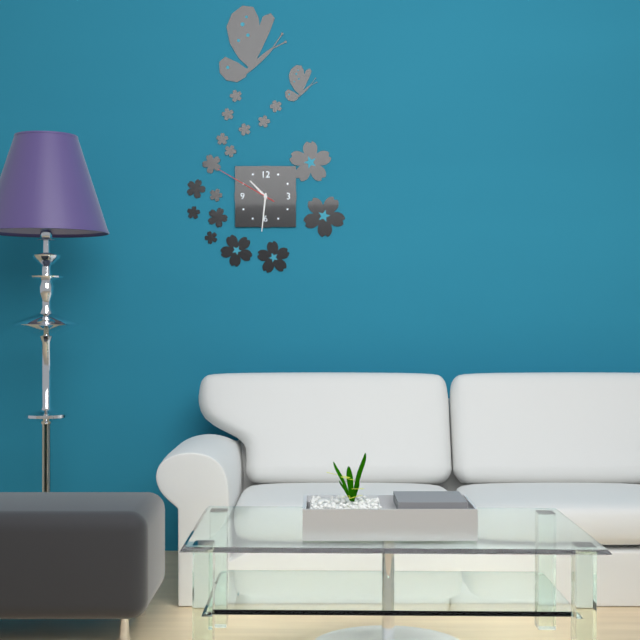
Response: 10:31:50
